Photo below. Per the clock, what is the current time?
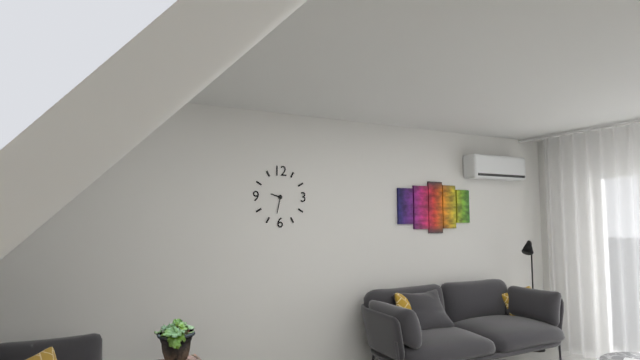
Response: 9:32
